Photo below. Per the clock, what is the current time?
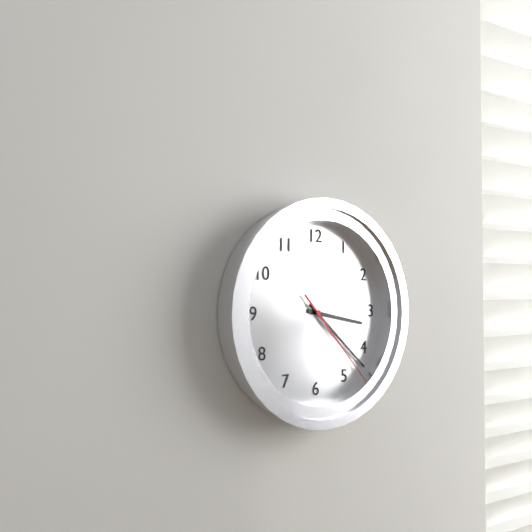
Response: 3:22:23
